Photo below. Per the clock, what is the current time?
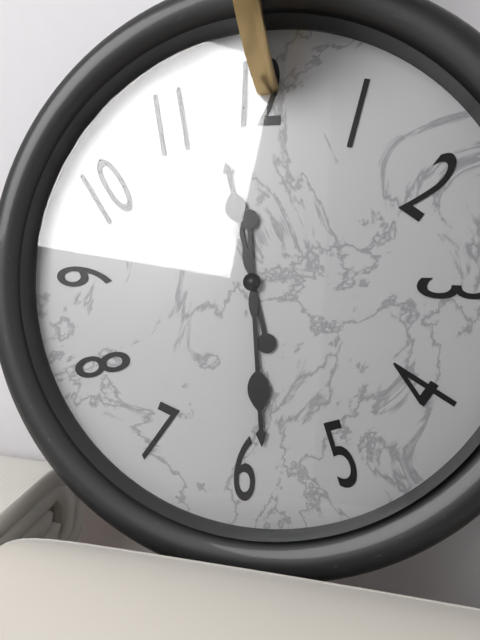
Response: 11:29
